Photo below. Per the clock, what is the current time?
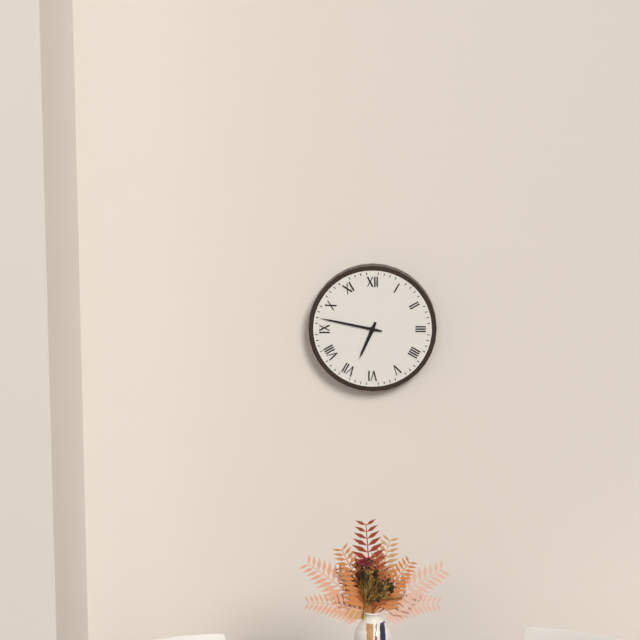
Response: 6:47
